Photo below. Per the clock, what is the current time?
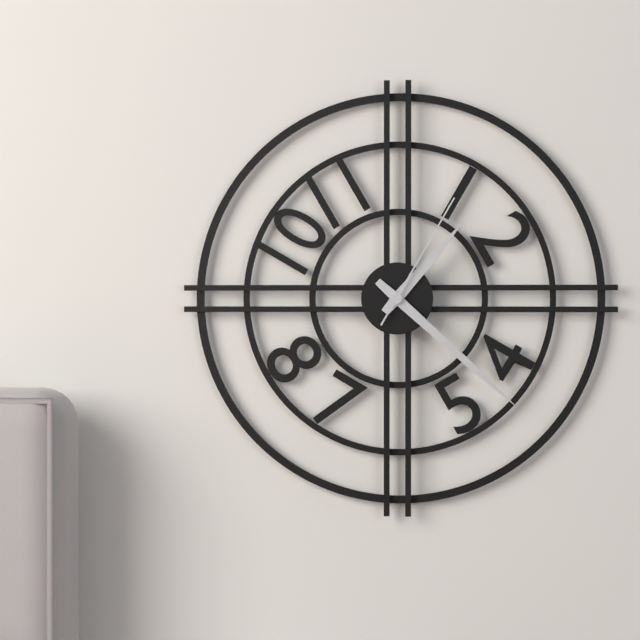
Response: 1:22:05
